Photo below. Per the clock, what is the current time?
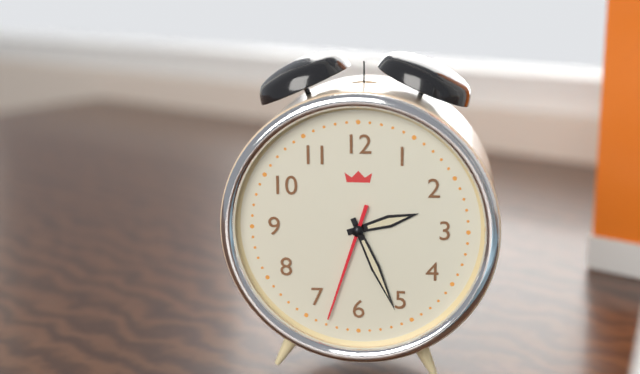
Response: 2:26:33
